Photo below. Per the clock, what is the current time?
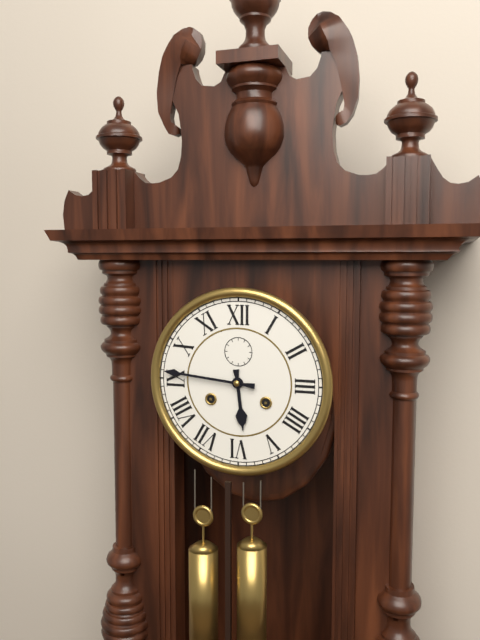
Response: 5:46
